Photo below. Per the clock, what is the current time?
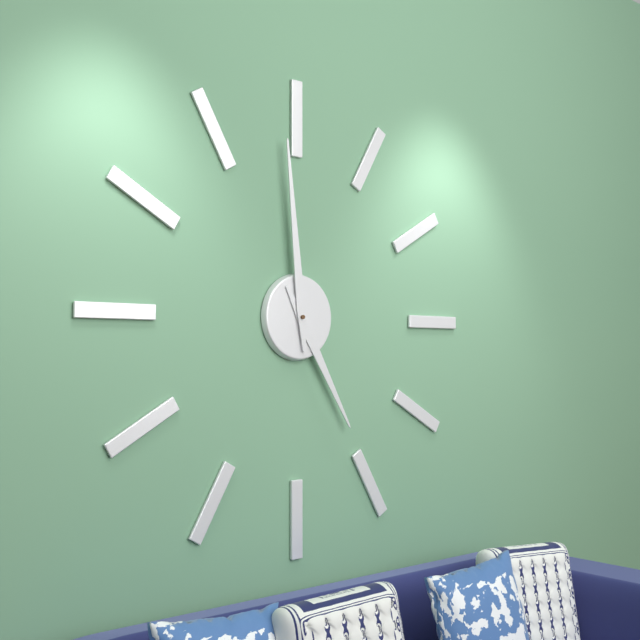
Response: 4:59
